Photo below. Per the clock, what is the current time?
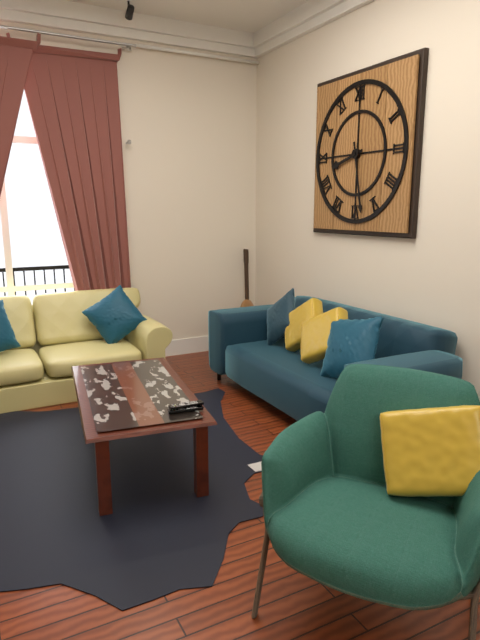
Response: 8:28
